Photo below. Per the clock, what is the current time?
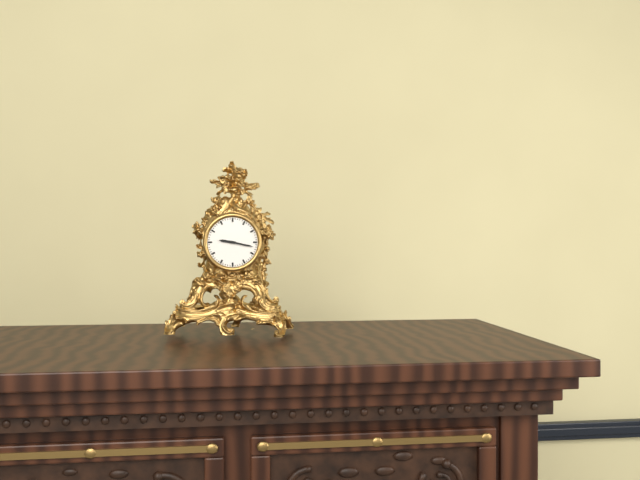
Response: 9:17
